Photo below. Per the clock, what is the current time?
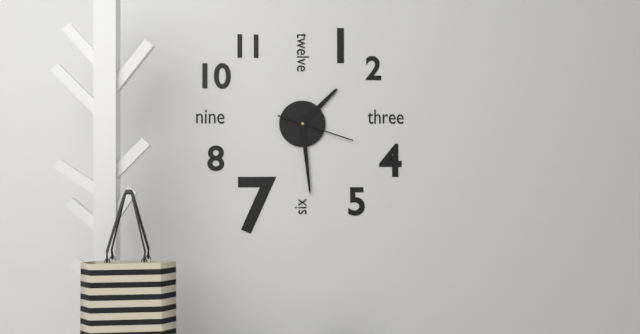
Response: 1:29:18
